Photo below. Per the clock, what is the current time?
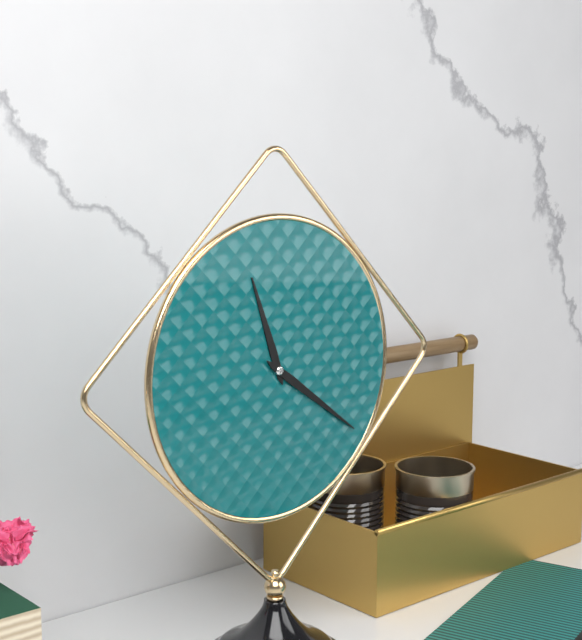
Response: 11:21
